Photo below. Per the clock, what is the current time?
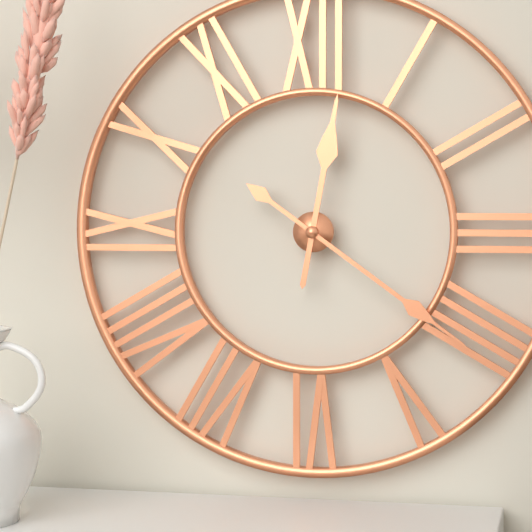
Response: 12:21
